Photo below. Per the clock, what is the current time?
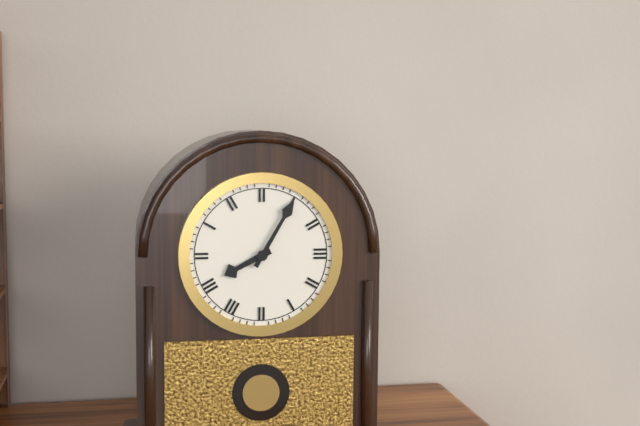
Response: 8:05
